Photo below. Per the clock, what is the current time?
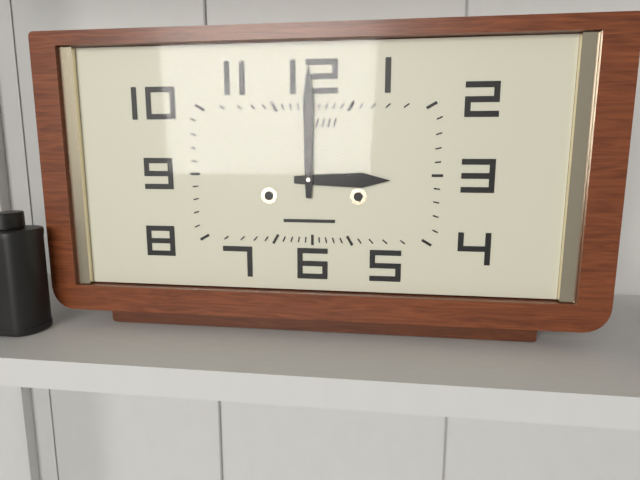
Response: 3:00
